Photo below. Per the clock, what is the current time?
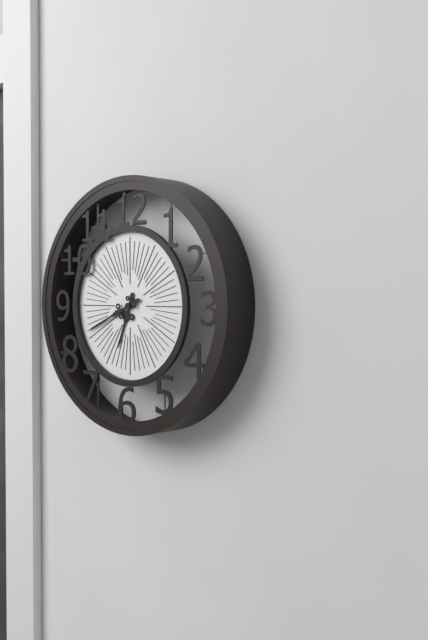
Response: 6:41
